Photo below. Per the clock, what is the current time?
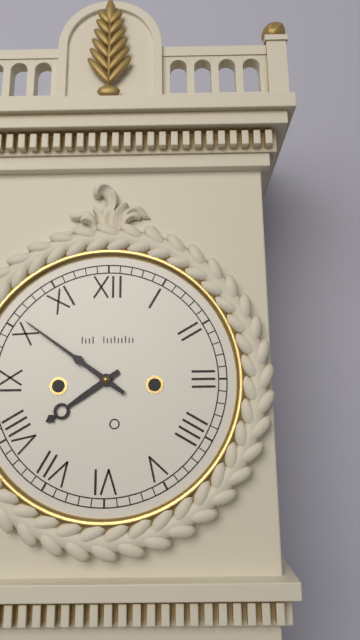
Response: 7:51
